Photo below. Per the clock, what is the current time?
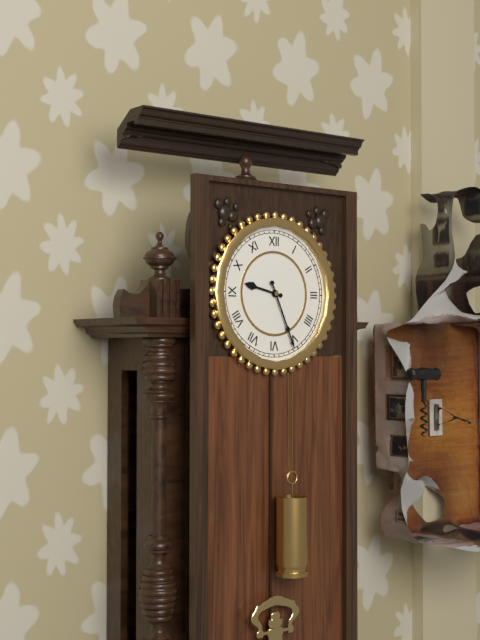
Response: 9:26
